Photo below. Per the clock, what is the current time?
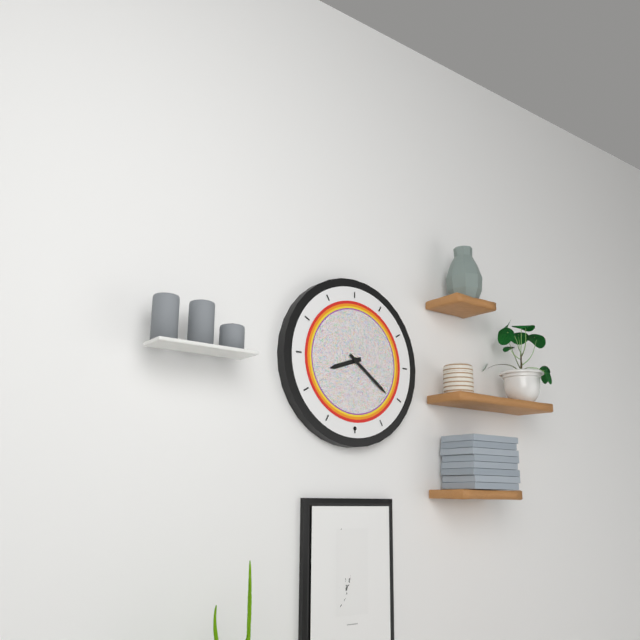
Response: 8:21
